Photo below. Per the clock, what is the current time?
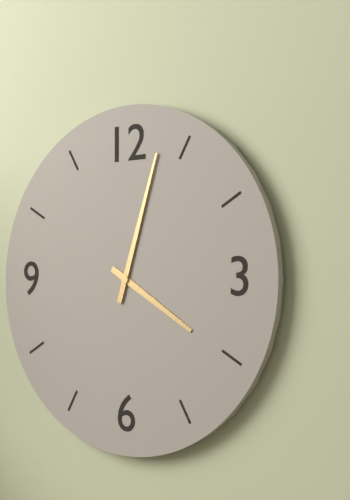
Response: 4:03
